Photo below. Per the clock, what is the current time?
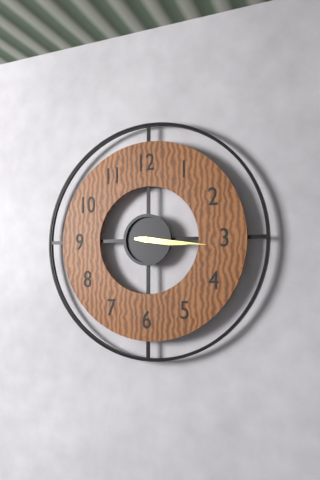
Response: 3:16
